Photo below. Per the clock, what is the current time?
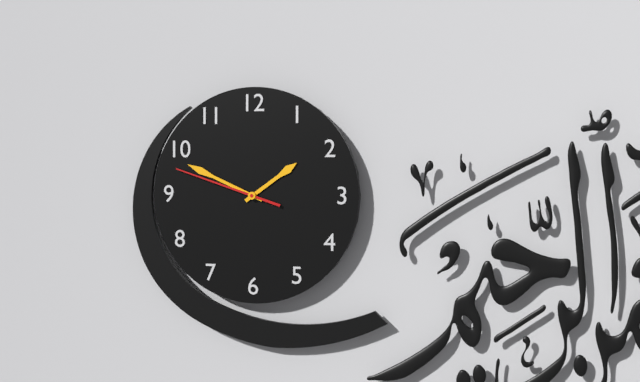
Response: 1:49:48
